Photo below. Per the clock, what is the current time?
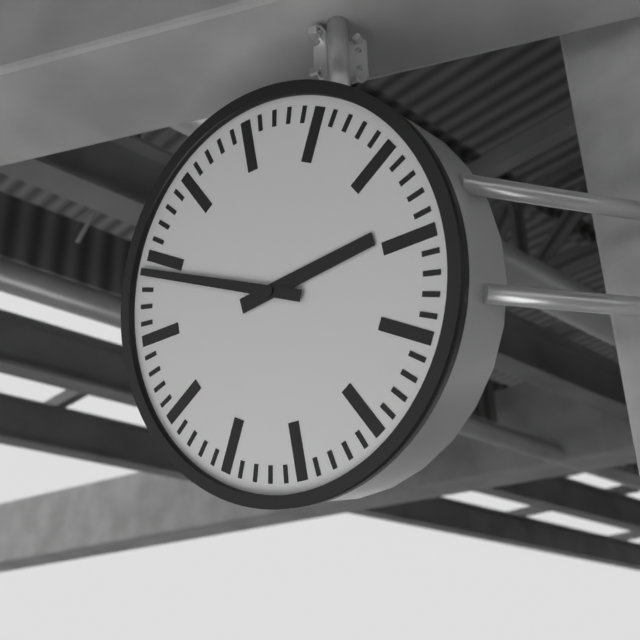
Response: 2:49
